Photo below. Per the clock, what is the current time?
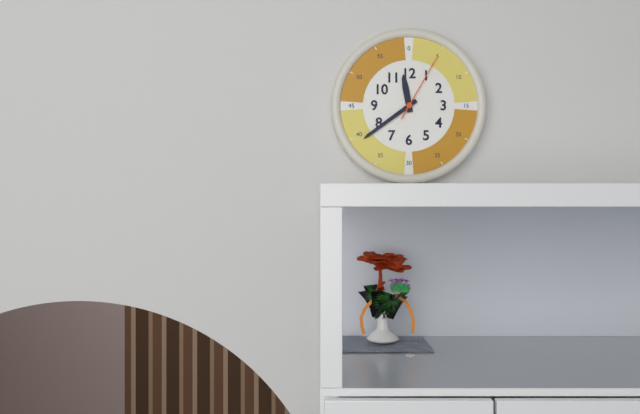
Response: 11:39:05
